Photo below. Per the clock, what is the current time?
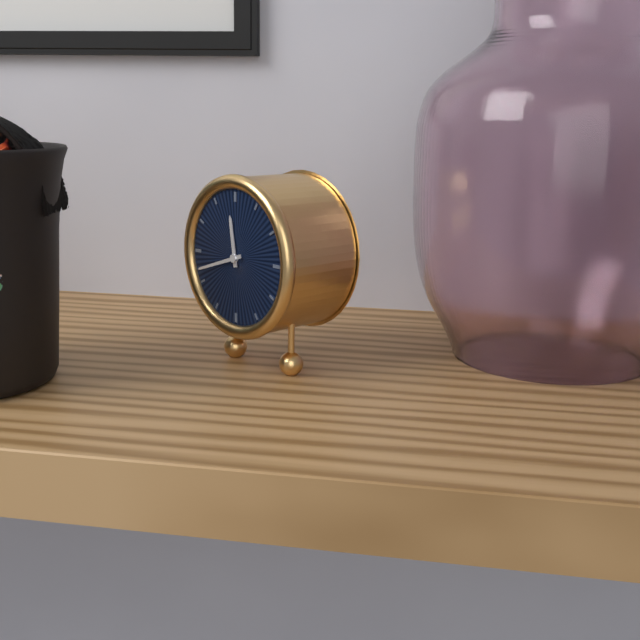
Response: 11:42
